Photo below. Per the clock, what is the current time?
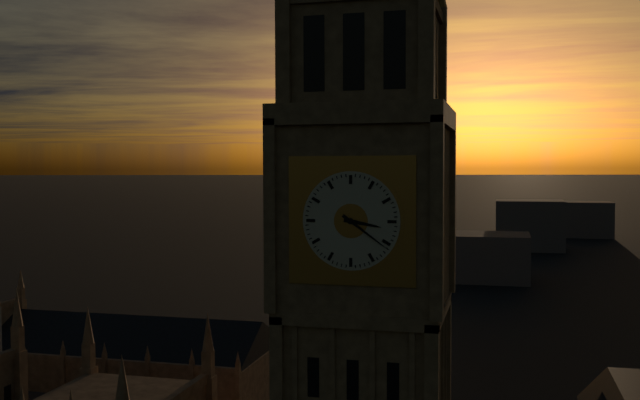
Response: 3:21
